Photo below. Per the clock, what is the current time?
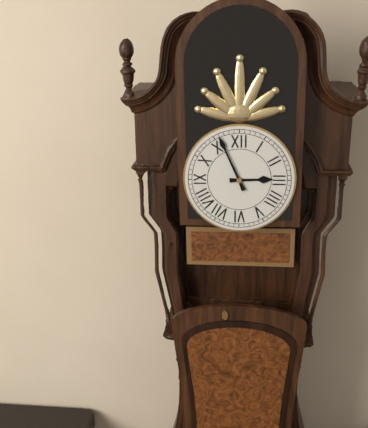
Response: 2:56
